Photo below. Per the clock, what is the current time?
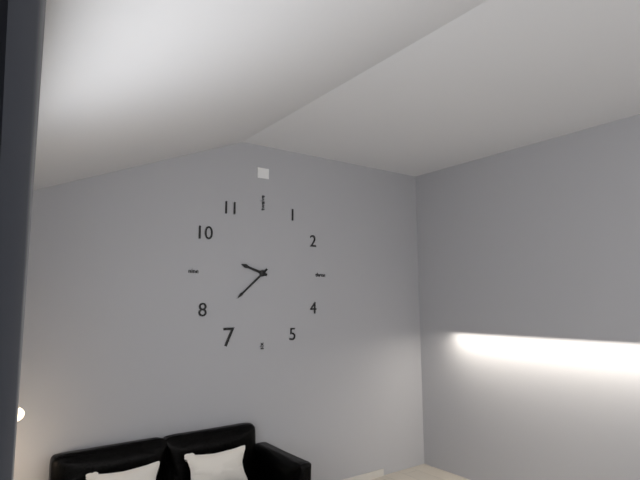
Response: 9:38
